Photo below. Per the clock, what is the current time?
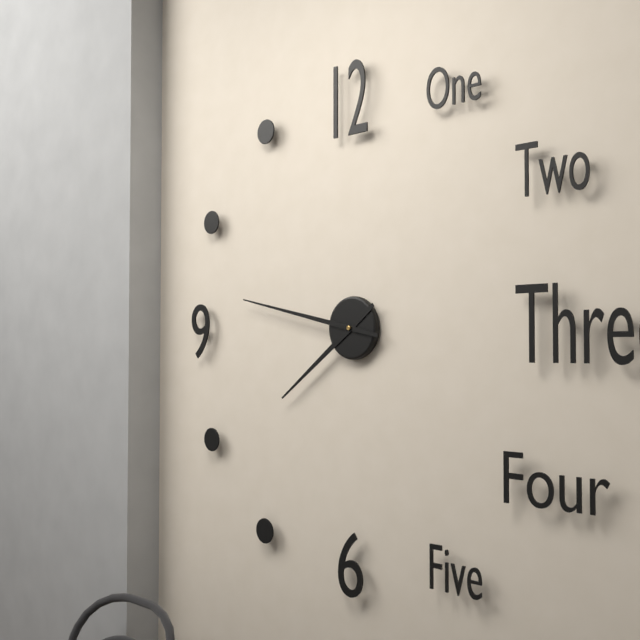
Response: 7:47
